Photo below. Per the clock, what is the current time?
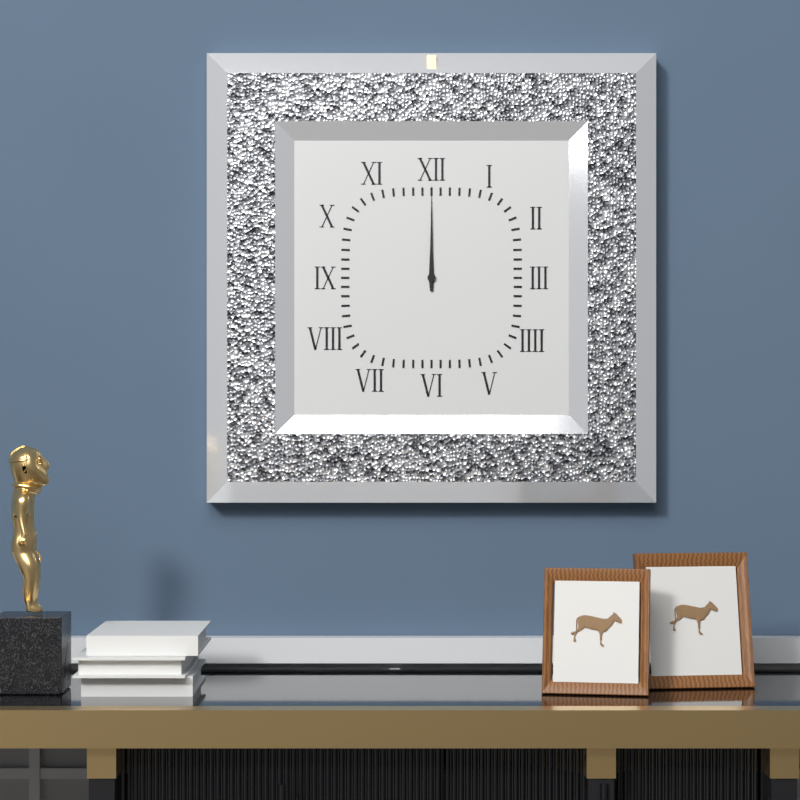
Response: 12:00
